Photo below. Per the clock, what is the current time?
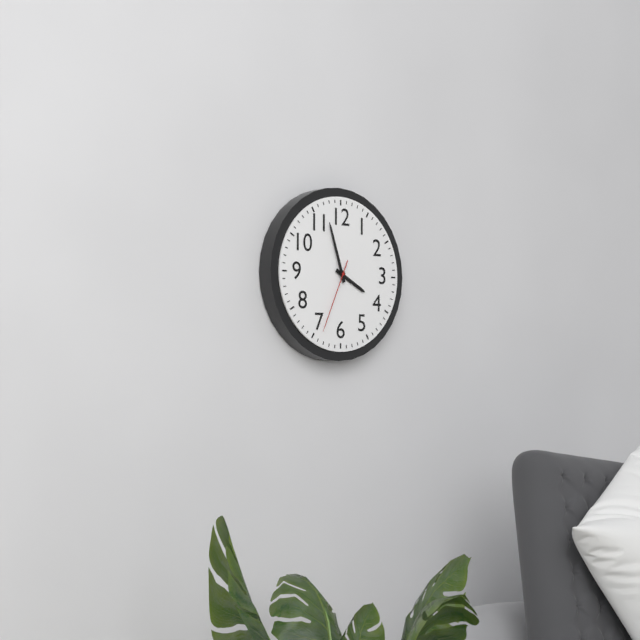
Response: 3:57:34
